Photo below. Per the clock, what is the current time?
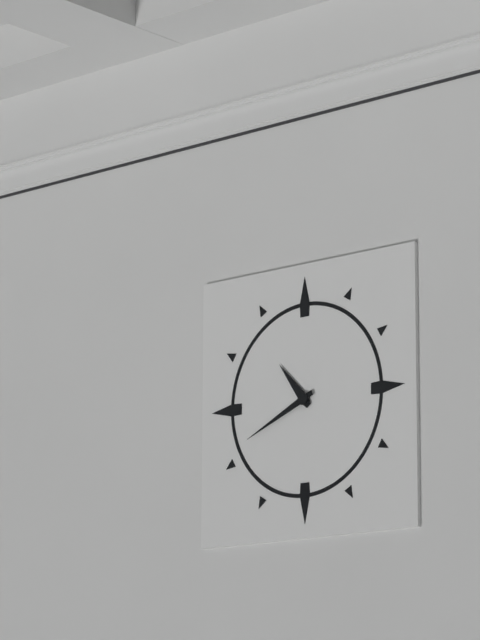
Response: 10:41
